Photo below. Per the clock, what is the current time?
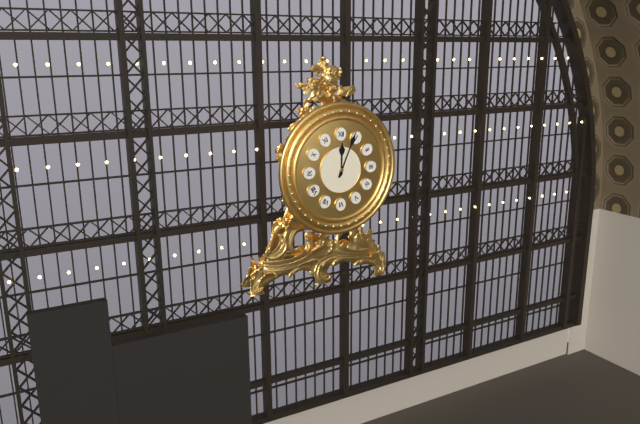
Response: 12:04
